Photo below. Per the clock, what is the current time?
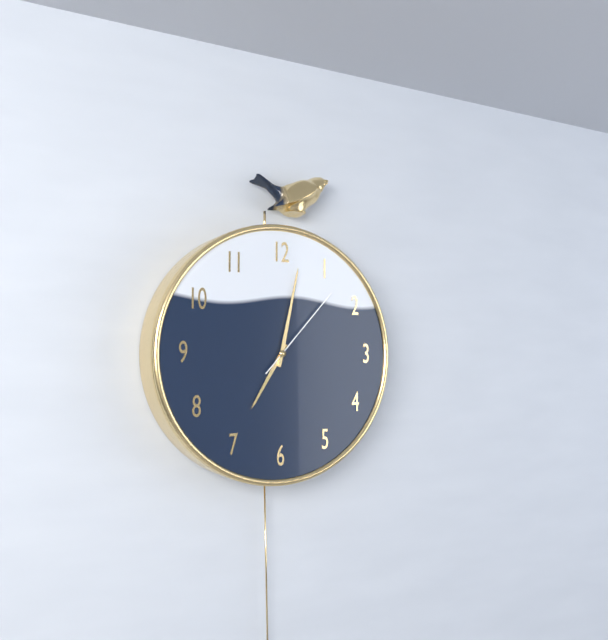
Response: 7:02:07
